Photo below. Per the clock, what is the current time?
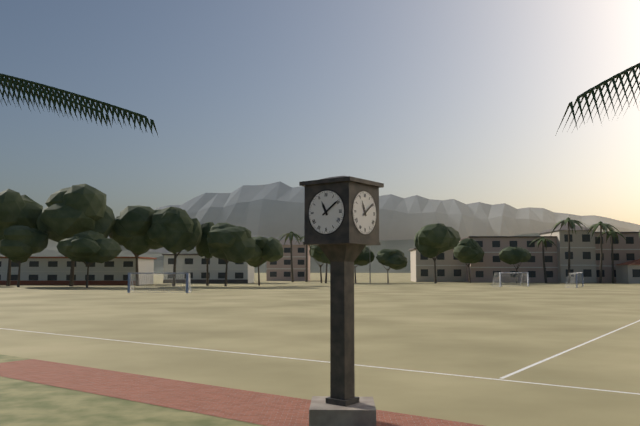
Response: 11:09
